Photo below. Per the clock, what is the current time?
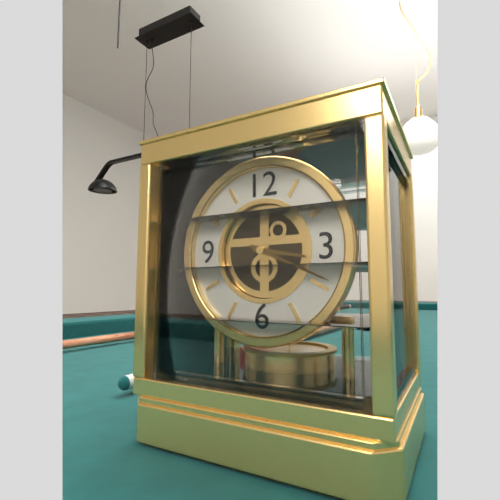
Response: 3:19
